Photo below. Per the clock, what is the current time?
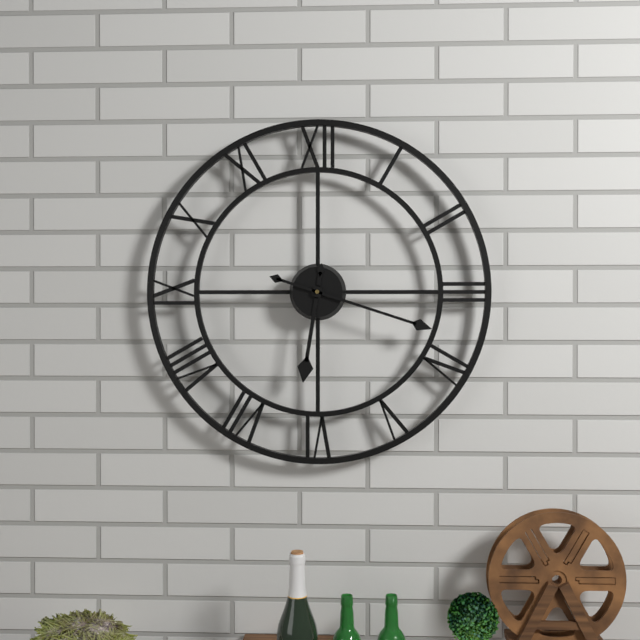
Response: 6:18
